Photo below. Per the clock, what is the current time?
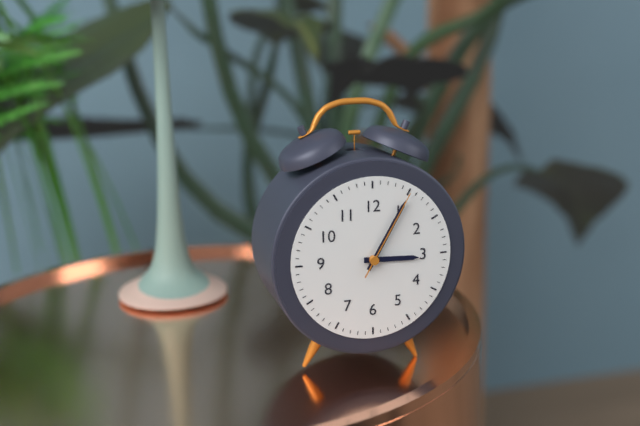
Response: 3:05:05
